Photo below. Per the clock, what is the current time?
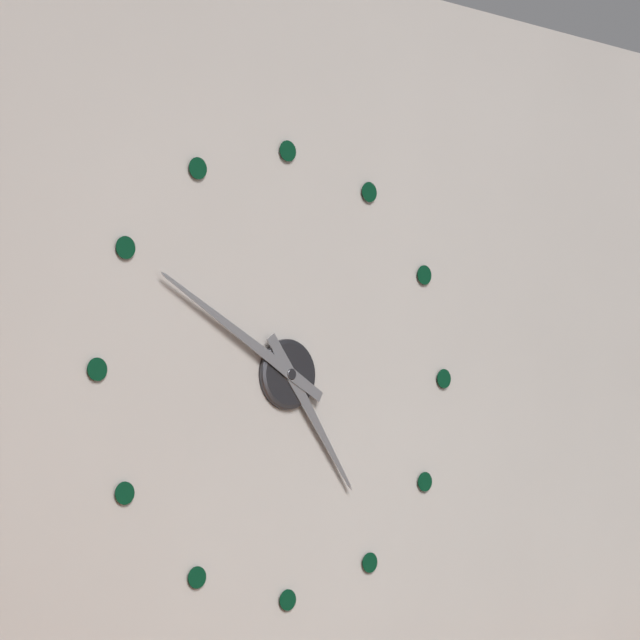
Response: 4:50
